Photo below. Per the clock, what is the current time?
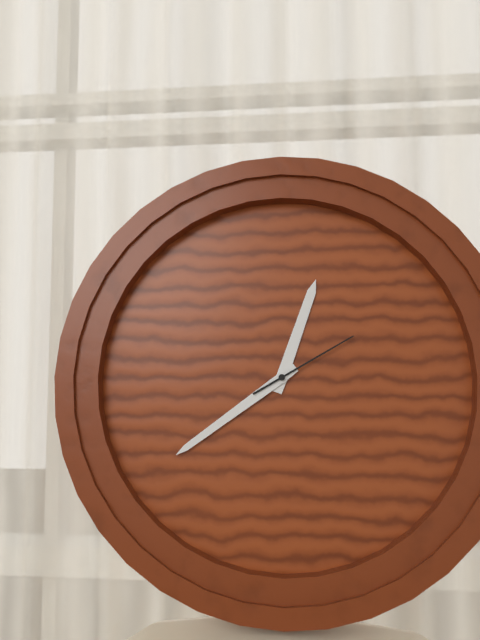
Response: 12:39:10
